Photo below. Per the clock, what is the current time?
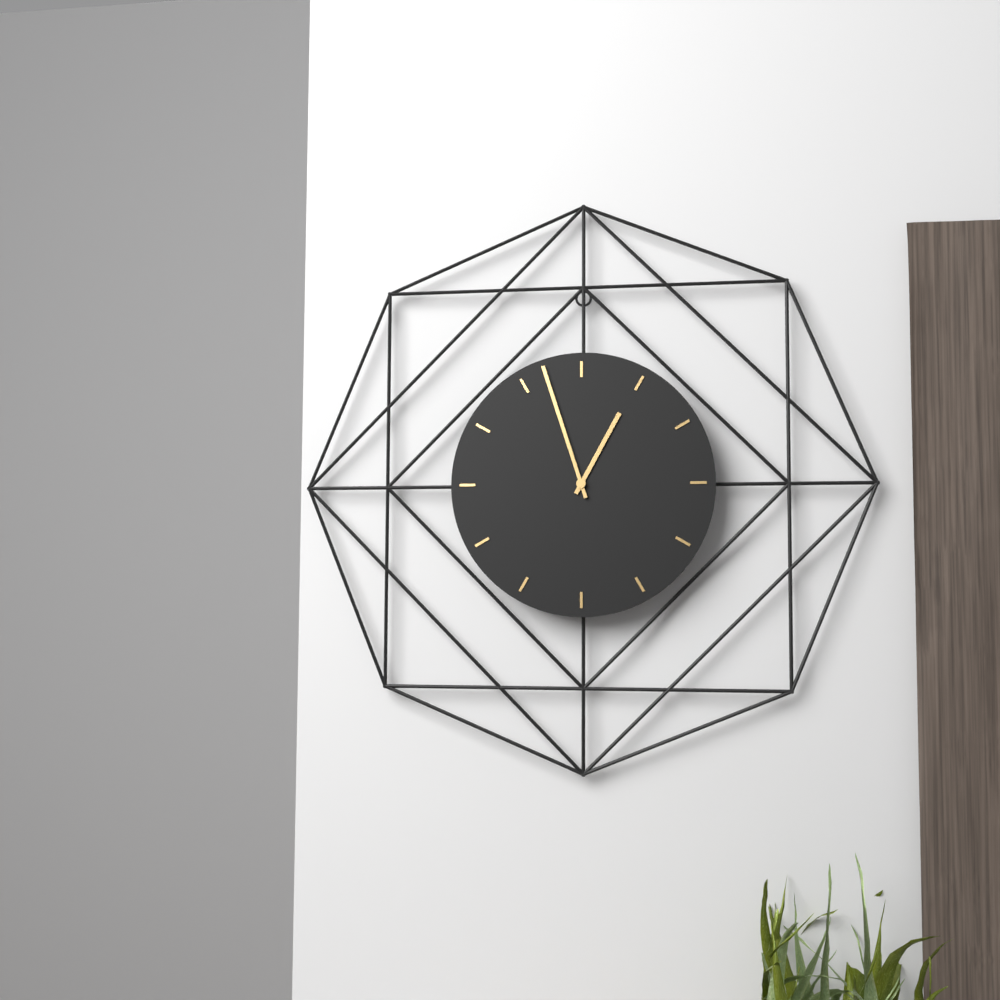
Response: 12:57
